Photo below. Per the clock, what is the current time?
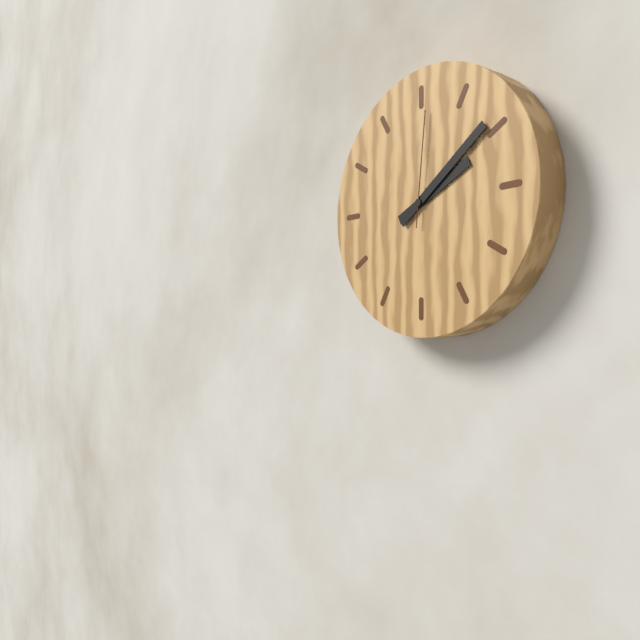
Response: 2:09:01
